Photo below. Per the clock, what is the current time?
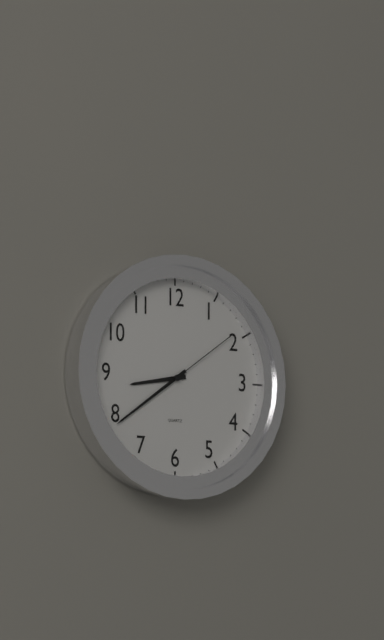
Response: 8:39:09
